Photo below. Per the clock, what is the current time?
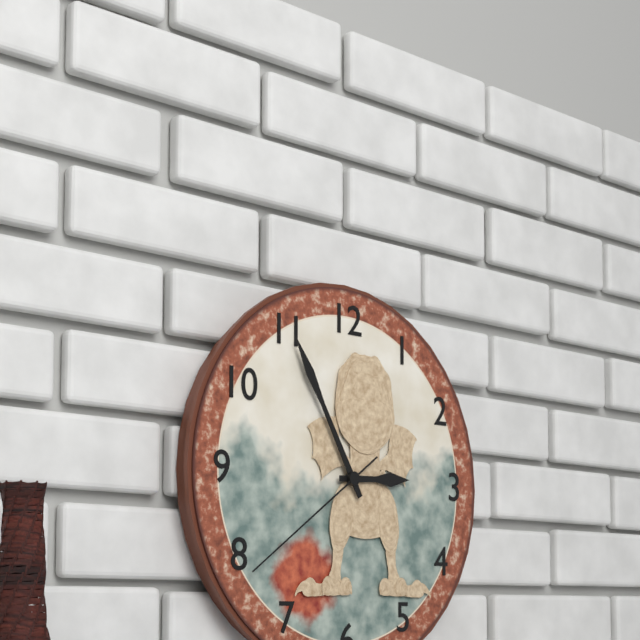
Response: 2:55:39
